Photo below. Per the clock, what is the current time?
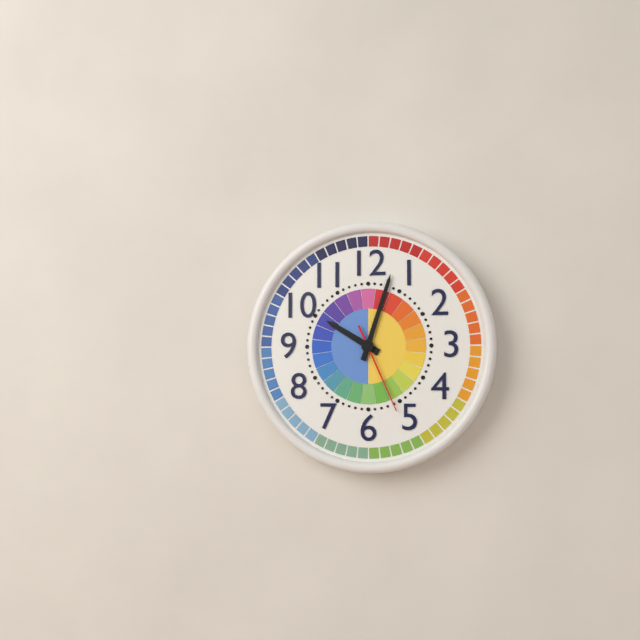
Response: 10:03:26
